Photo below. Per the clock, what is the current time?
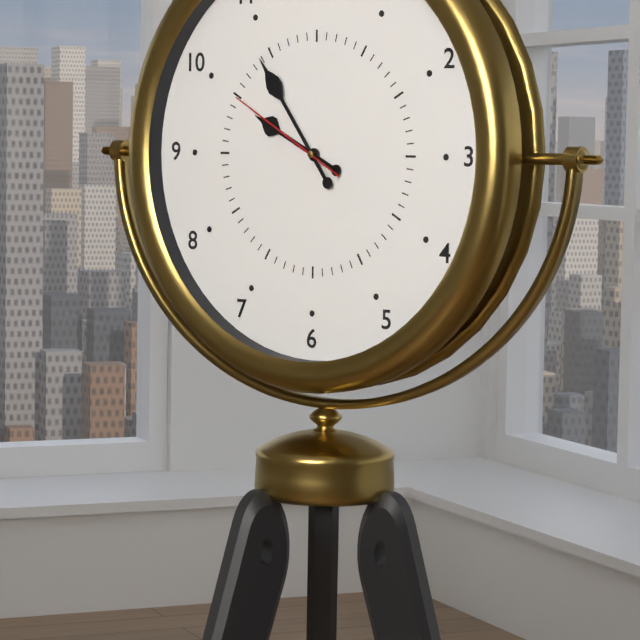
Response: 9:54:50
